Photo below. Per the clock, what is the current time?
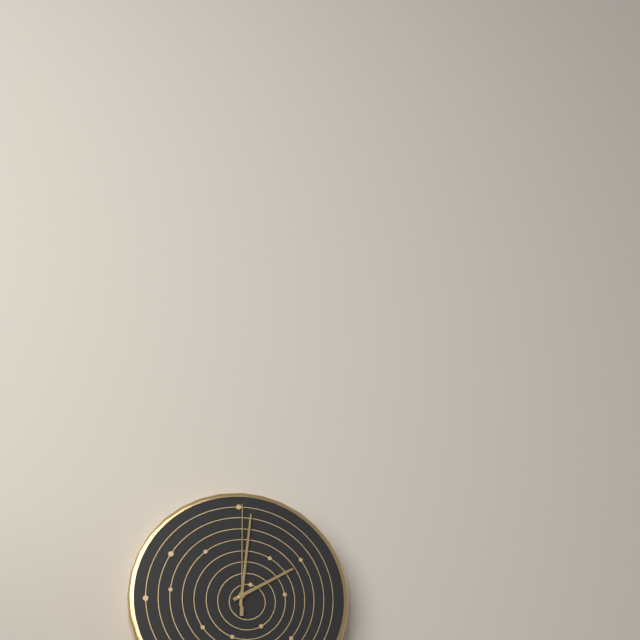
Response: 2:01:00
